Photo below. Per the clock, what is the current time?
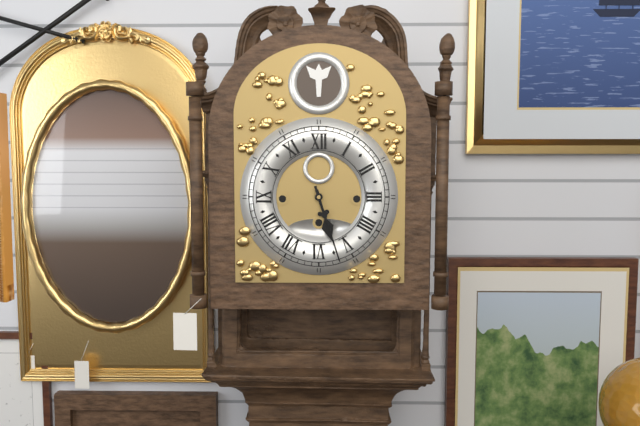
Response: 5:27
